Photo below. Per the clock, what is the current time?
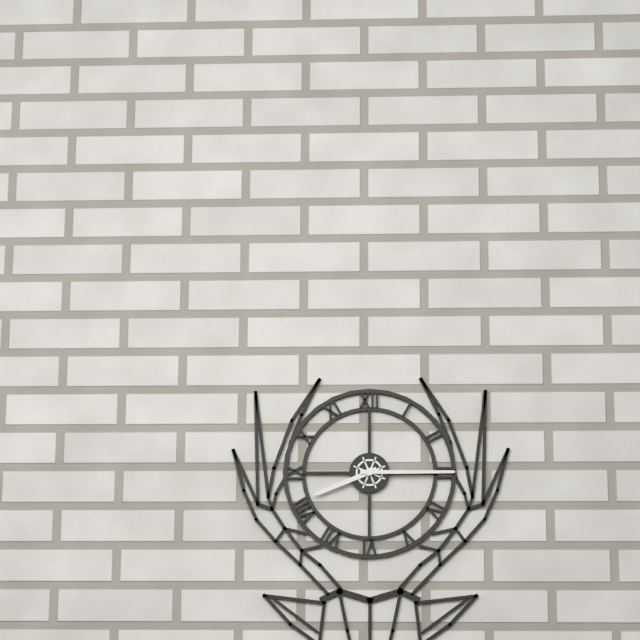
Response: 8:15
